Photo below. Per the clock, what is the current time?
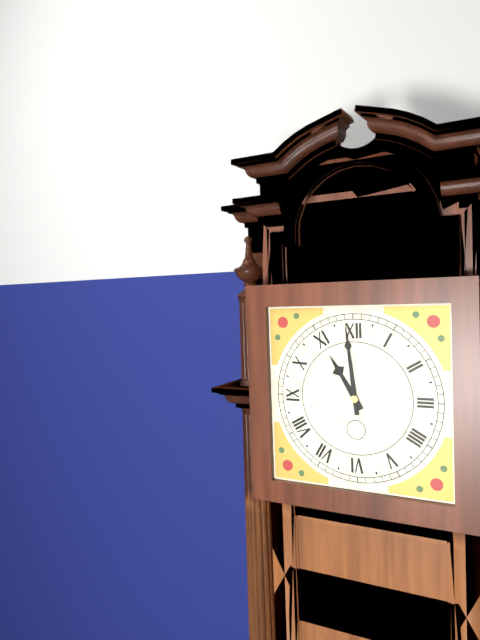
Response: 10:59
